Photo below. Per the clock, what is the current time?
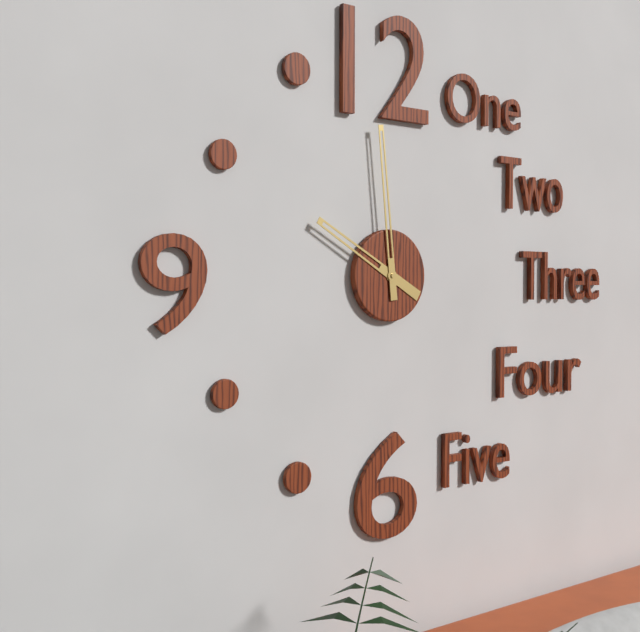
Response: 9:59
